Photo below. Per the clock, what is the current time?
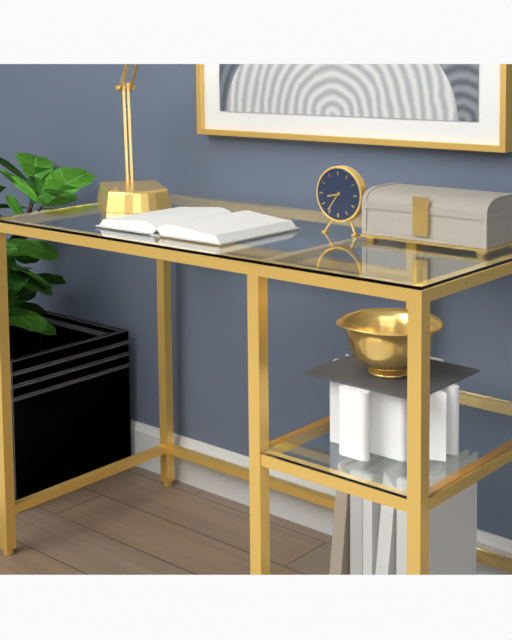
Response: 8:36
